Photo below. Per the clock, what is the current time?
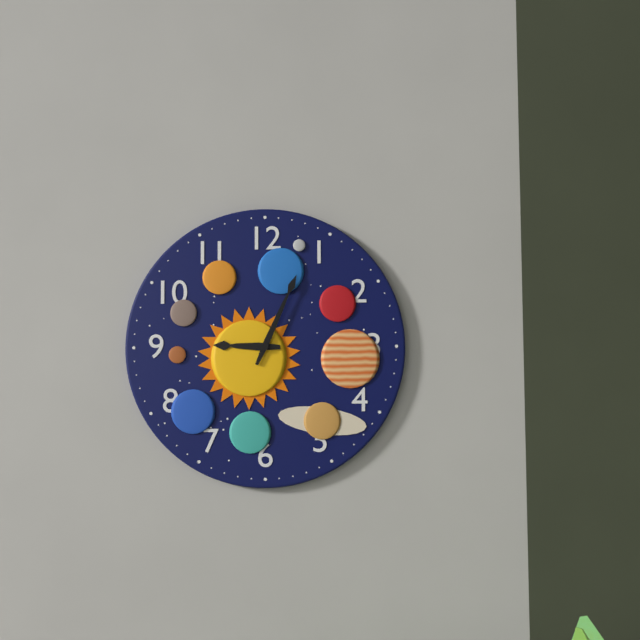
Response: 9:04
